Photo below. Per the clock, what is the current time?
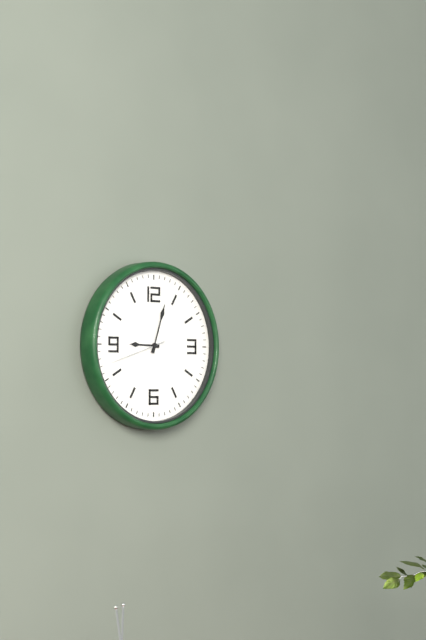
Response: 9:03
